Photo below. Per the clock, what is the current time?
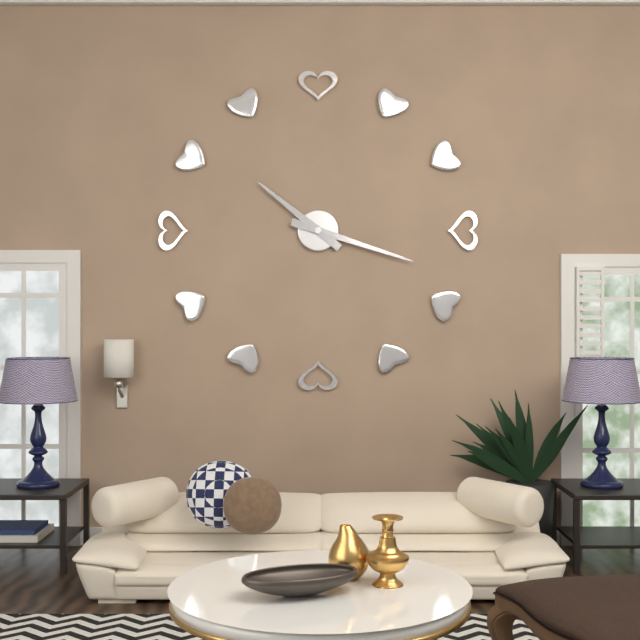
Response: 10:18
